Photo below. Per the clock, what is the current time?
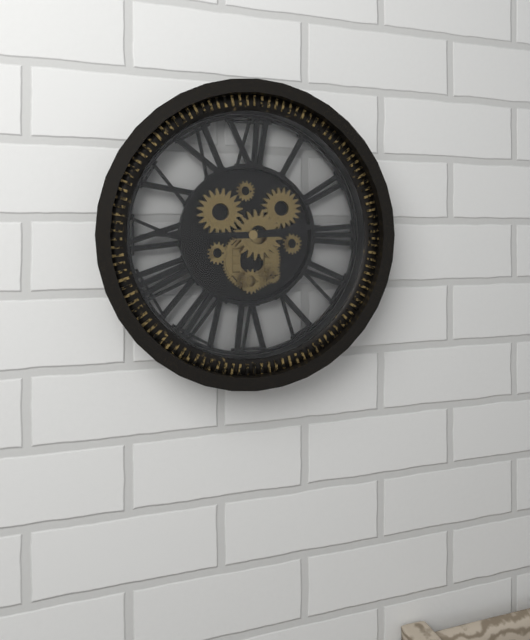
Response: 2:45
